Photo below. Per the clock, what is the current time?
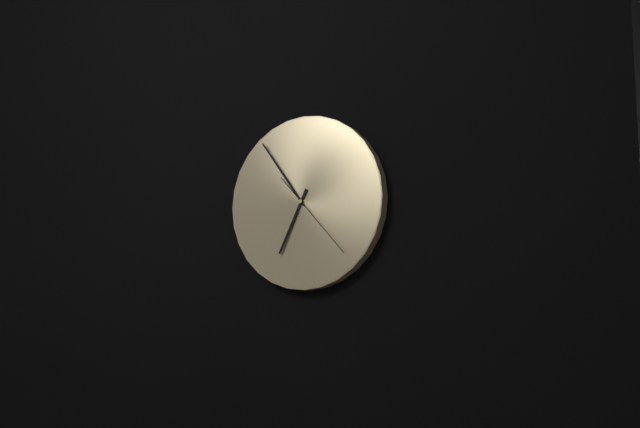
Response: 6:54:23
